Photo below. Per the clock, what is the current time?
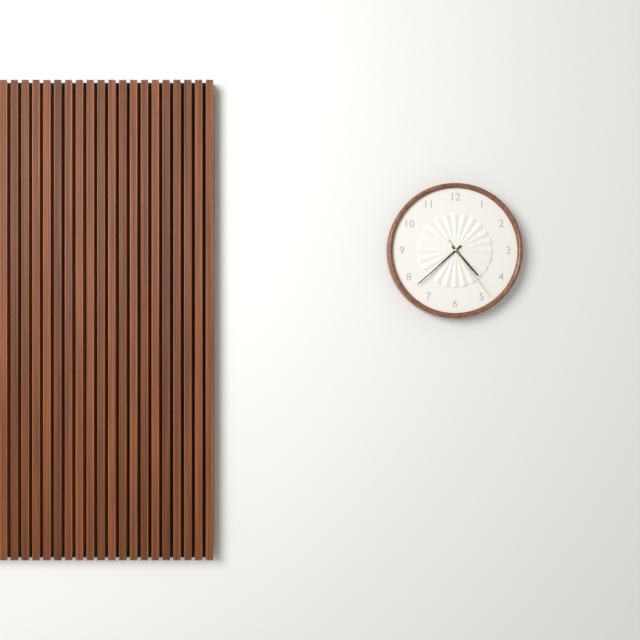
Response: 4:38:24
